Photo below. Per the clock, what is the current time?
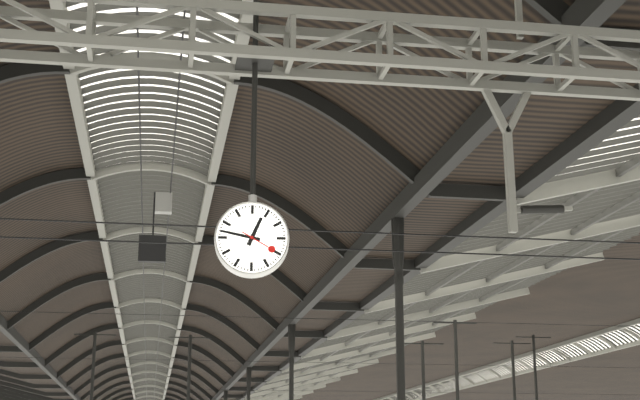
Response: 12:47
